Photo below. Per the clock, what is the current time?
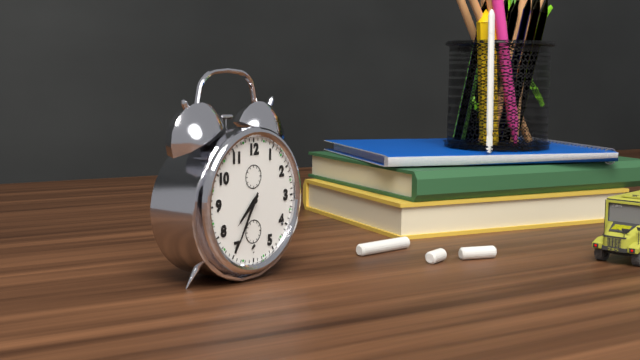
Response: 7:35
